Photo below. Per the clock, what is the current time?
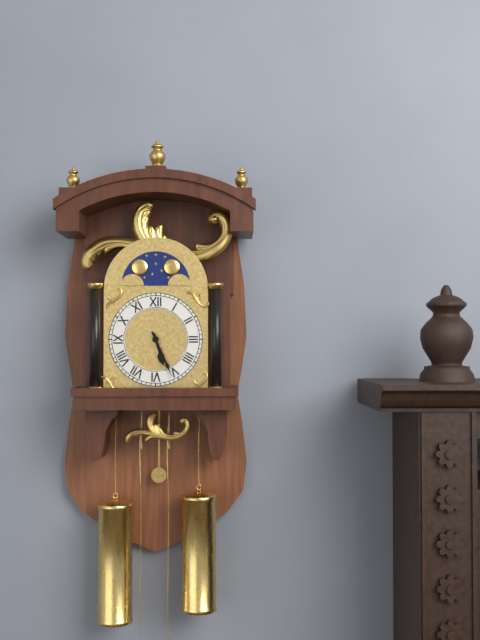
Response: 5:26
